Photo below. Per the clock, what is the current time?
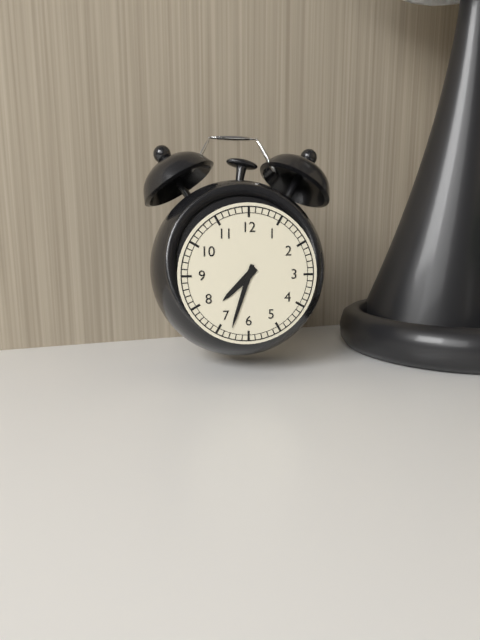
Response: 7:33
